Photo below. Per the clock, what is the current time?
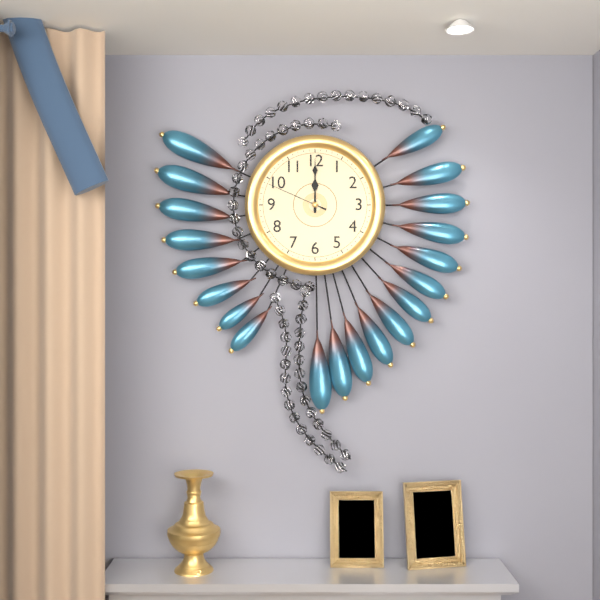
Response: 12:00:49
